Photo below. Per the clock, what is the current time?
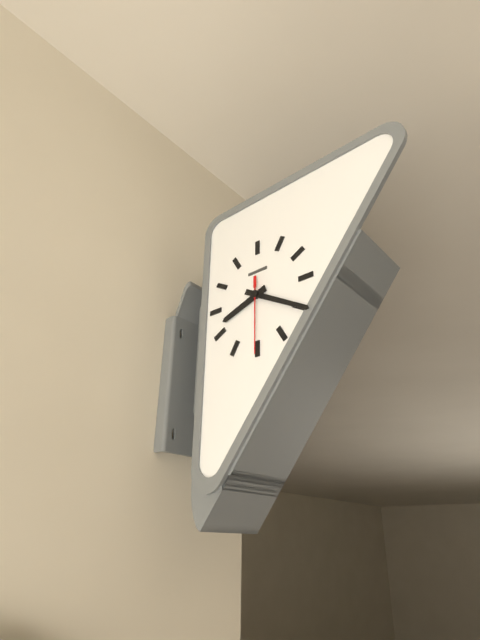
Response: 8:20:30
